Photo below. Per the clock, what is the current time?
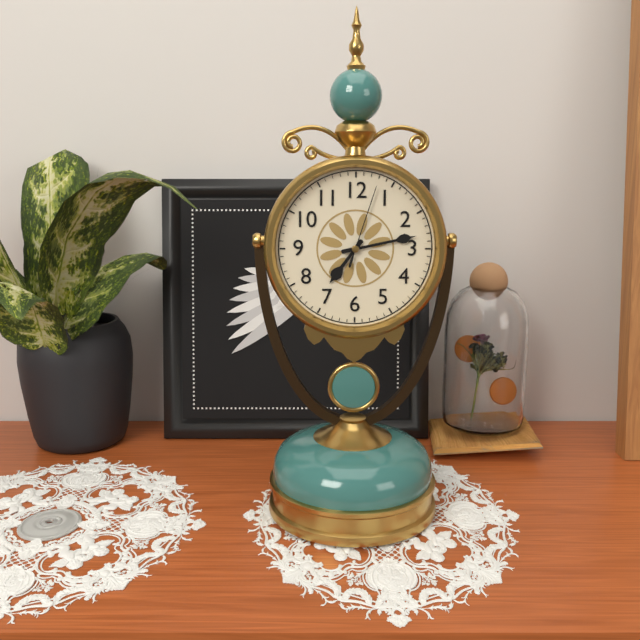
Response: 7:13:03
